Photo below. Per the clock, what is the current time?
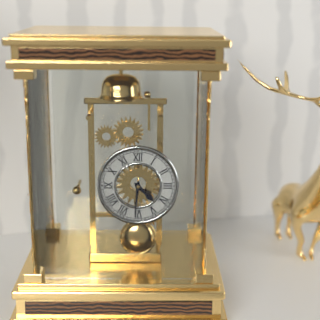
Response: 4:31
